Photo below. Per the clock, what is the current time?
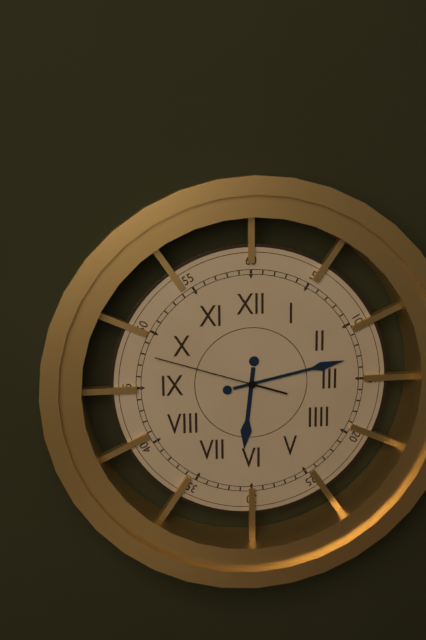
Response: 6:13:48
